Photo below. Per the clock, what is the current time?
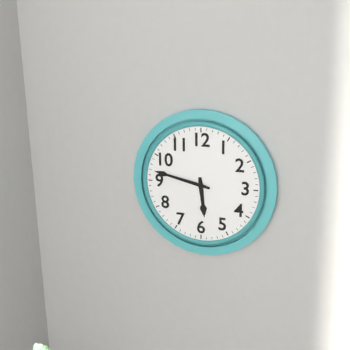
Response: 5:47
